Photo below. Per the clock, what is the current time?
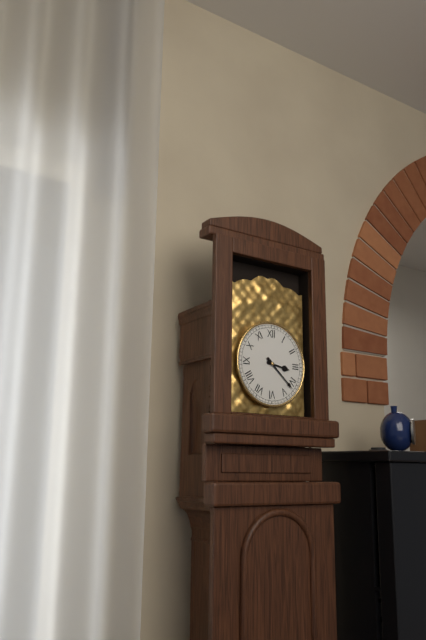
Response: 3:22
